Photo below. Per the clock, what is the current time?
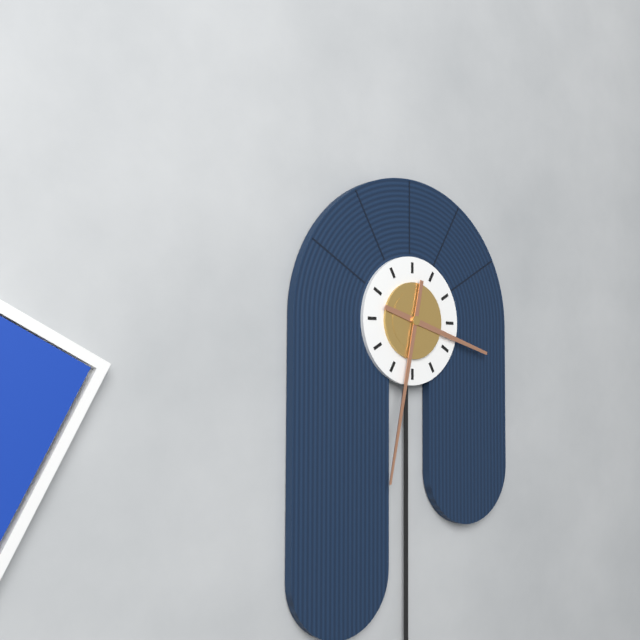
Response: 3:32
